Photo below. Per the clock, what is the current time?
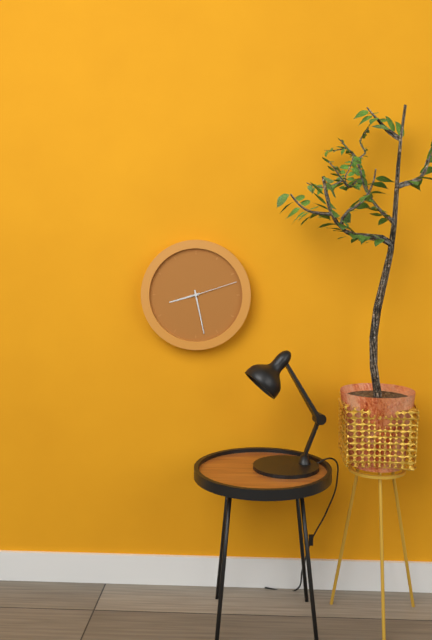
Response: 8:28:12
